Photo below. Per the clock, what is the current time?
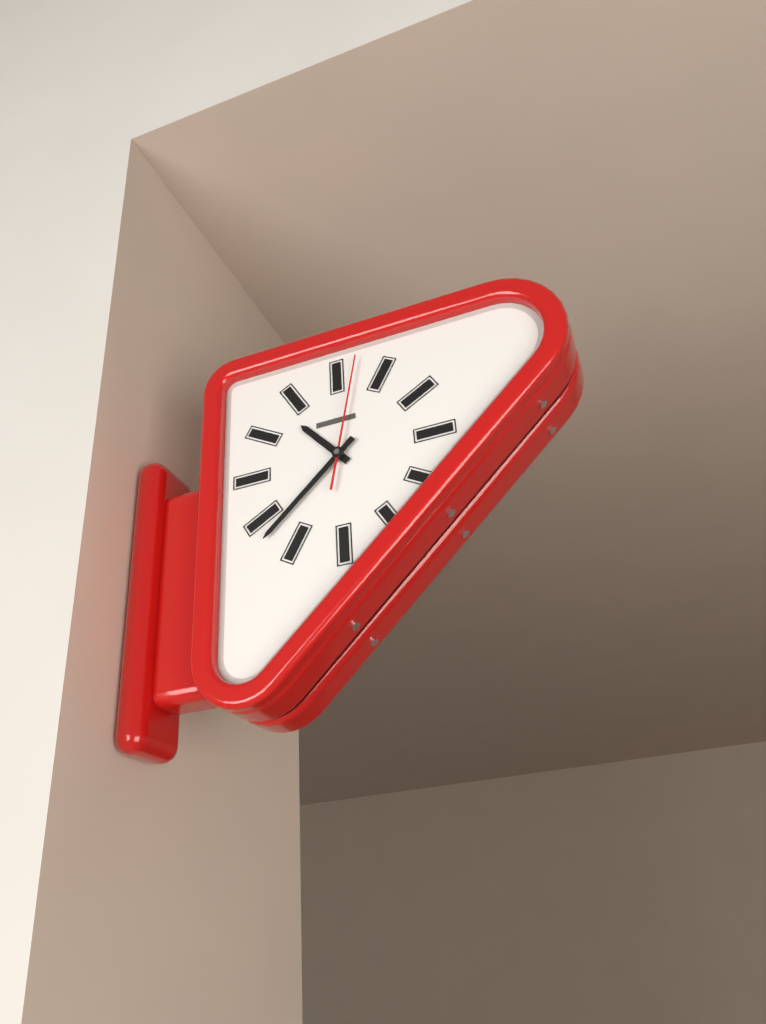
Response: 10:38:02
